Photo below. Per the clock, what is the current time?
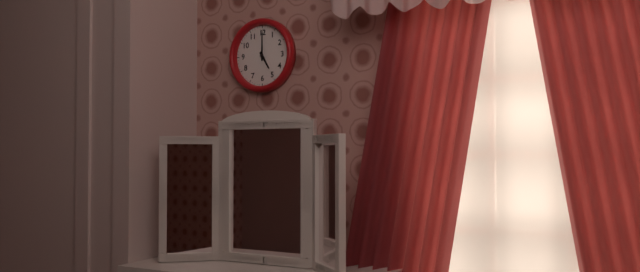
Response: 5:00
